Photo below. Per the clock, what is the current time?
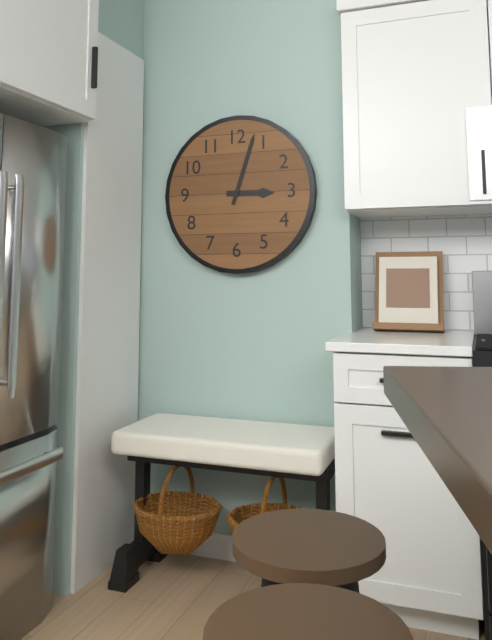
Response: 3:03
